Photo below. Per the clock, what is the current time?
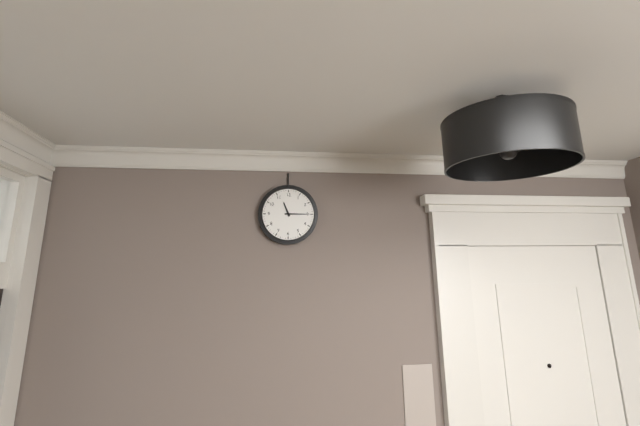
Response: 11:15
